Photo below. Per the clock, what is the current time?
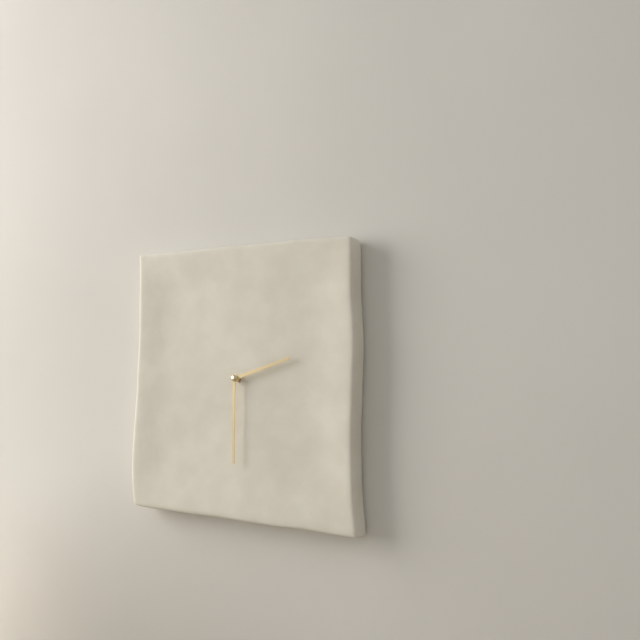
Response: 2:30
